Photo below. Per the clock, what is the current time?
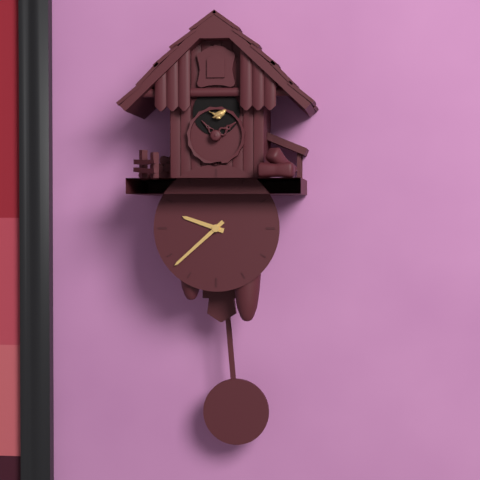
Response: 9:38
